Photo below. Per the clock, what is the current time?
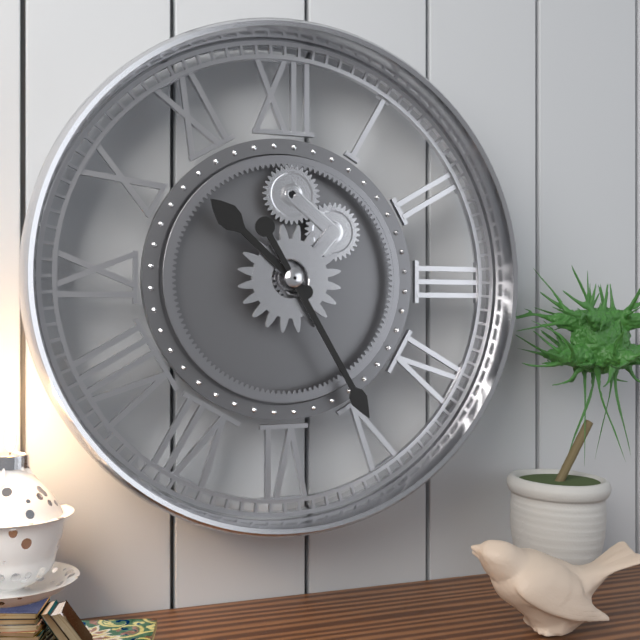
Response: 10:25
